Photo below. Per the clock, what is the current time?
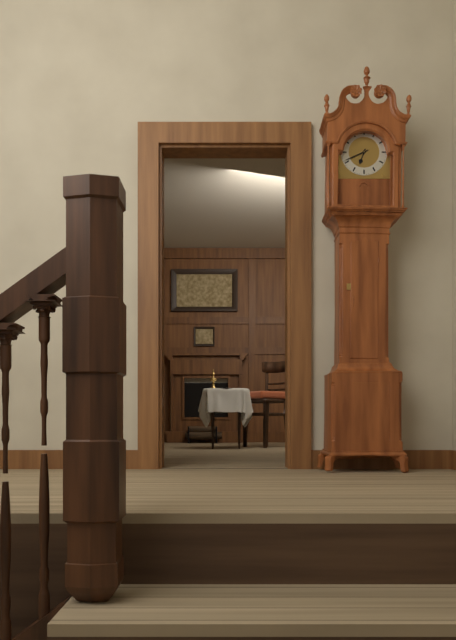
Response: 6:41
